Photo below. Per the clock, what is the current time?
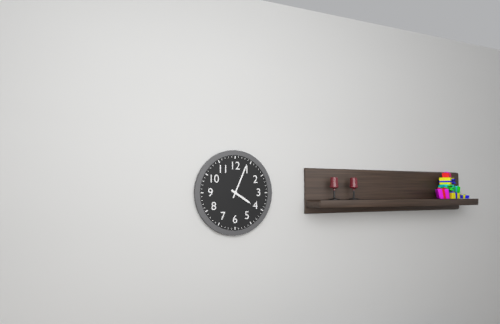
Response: 4:04
